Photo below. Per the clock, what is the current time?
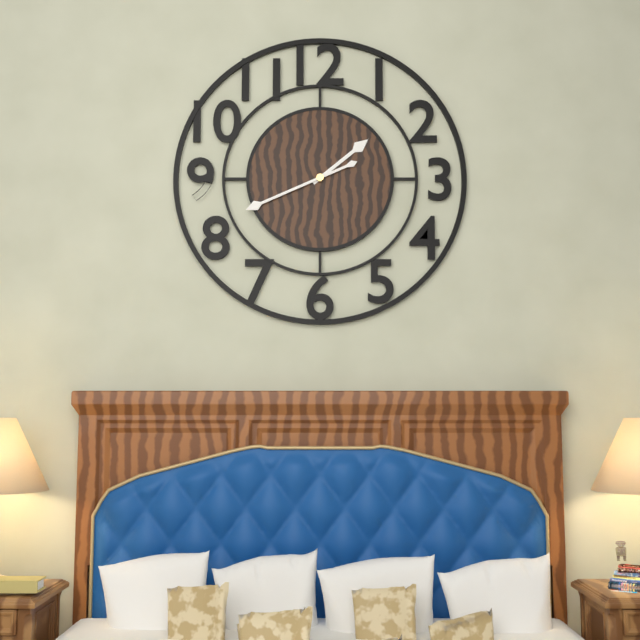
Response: 1:41
